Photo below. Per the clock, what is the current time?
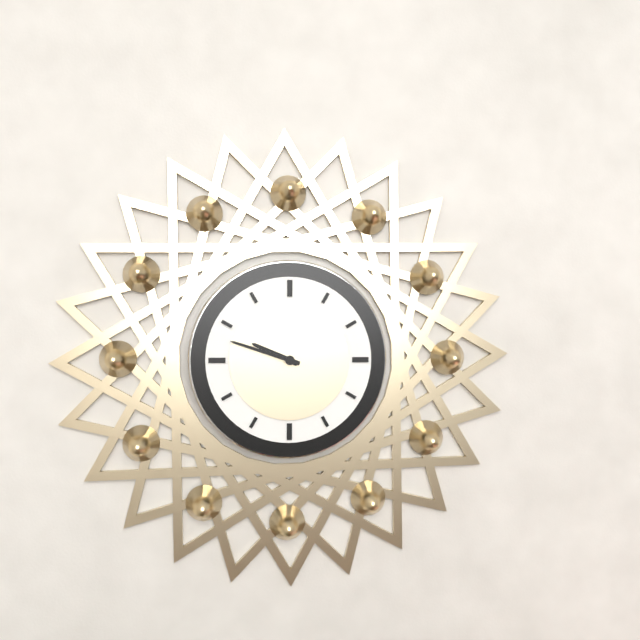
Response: 9:48
